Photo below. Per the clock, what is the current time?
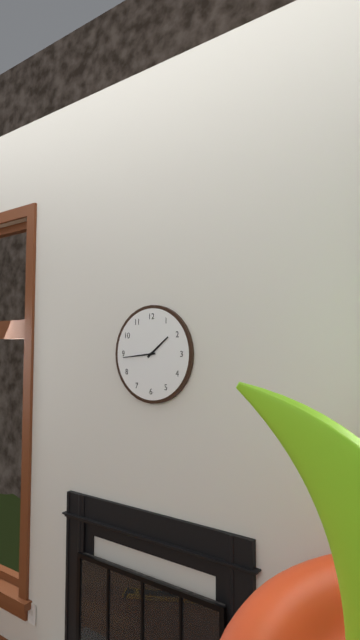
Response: 1:44
